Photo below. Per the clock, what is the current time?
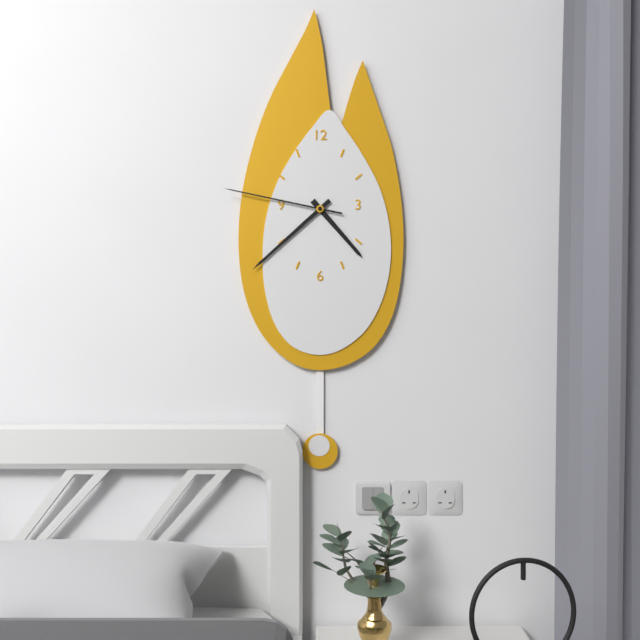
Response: 4:38:47
